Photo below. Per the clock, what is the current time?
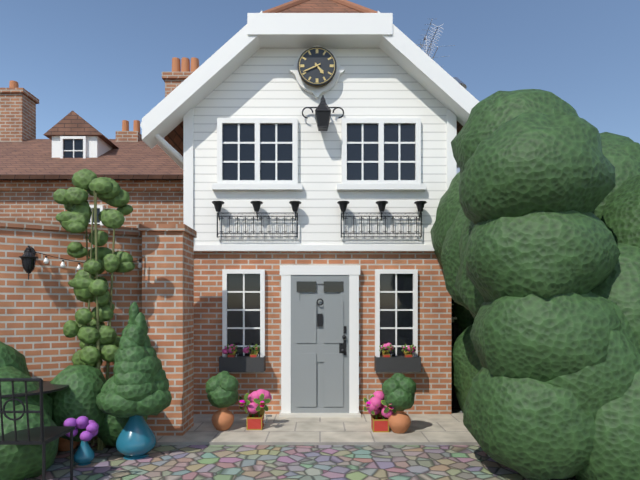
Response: 4:41
